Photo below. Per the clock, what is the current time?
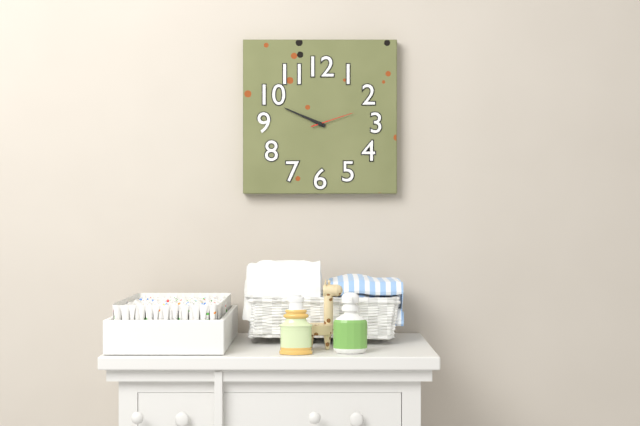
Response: 9:49
